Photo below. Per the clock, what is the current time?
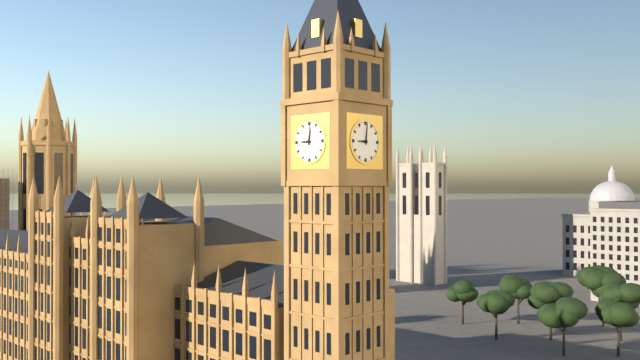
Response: 9:01
